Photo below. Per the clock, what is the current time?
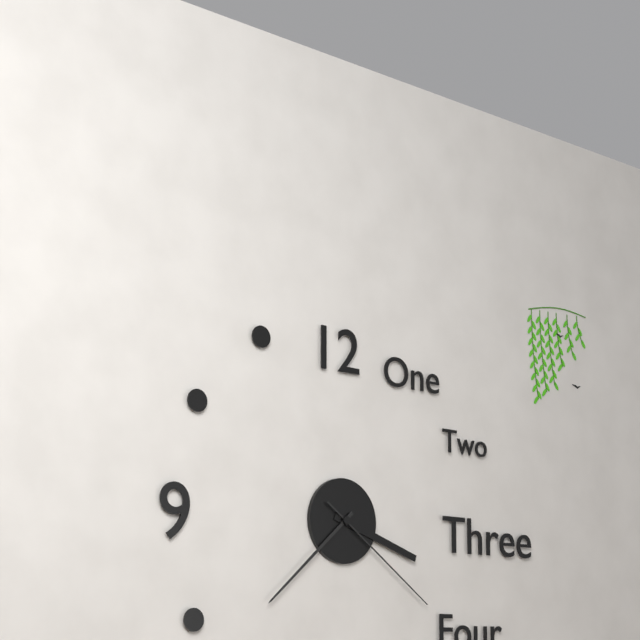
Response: 3:38:21
